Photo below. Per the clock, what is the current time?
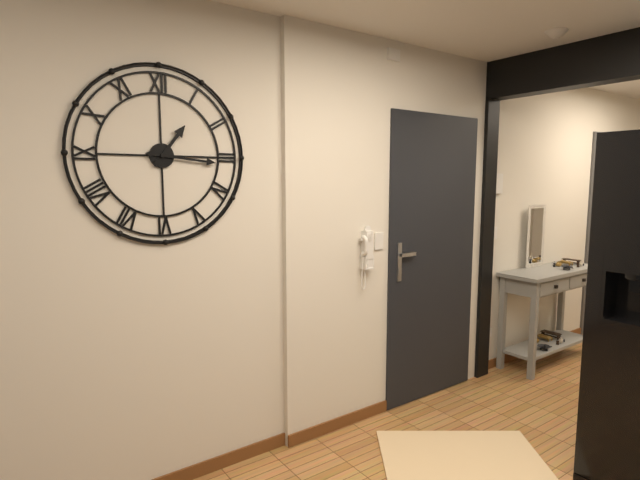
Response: 1:16
